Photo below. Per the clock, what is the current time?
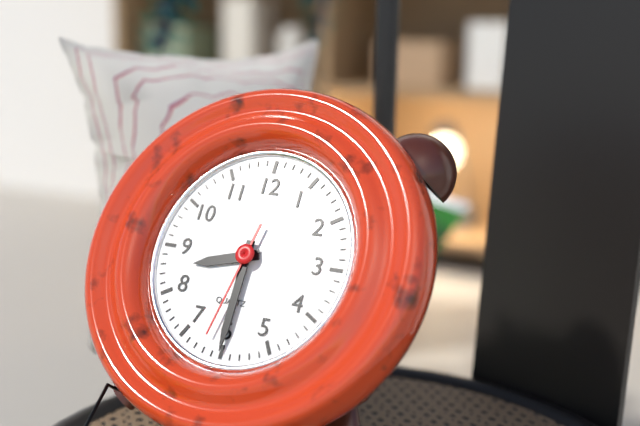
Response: 8:30:32
